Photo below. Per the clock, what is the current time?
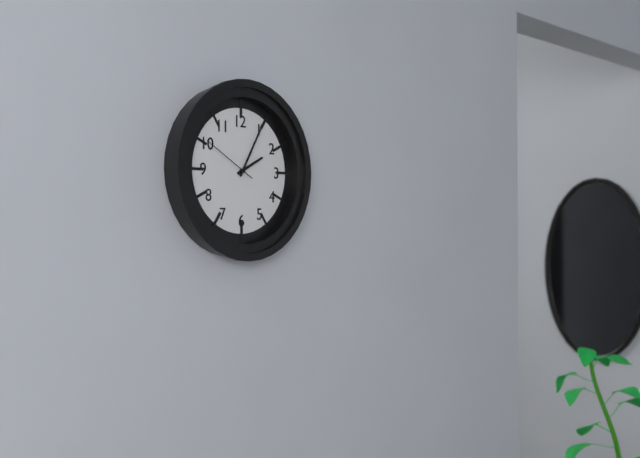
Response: 2:05:50
